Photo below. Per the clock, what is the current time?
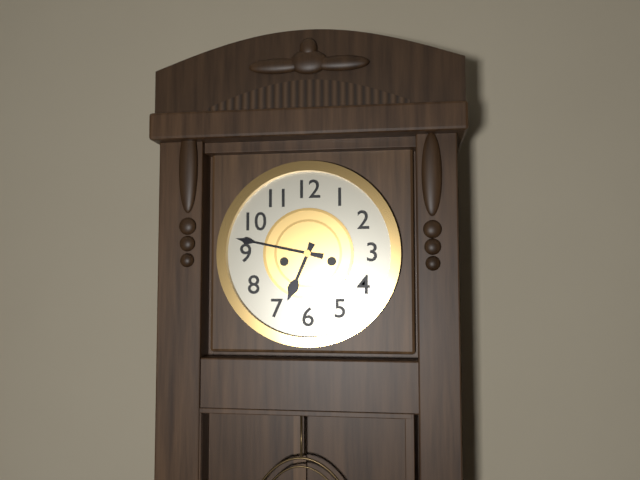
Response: 6:47
